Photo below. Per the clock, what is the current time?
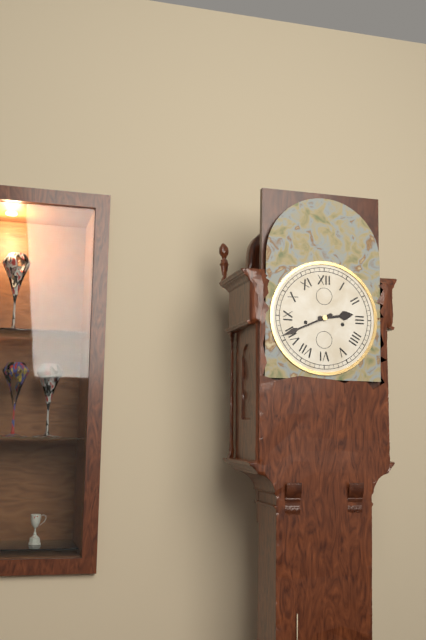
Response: 2:41
